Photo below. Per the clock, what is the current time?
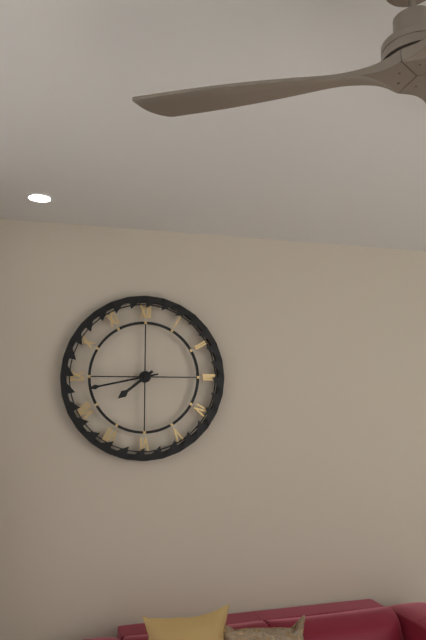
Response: 7:43
